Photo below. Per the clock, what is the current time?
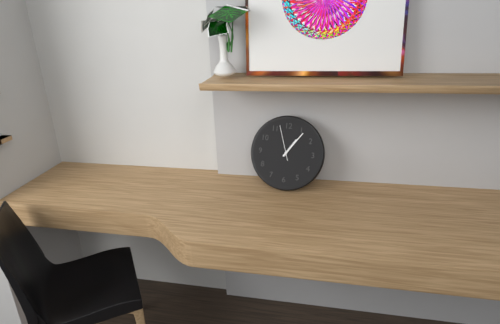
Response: 1:06
